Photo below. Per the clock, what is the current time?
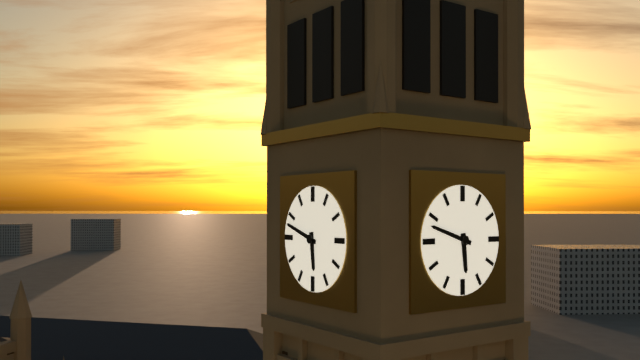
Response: 5:48
